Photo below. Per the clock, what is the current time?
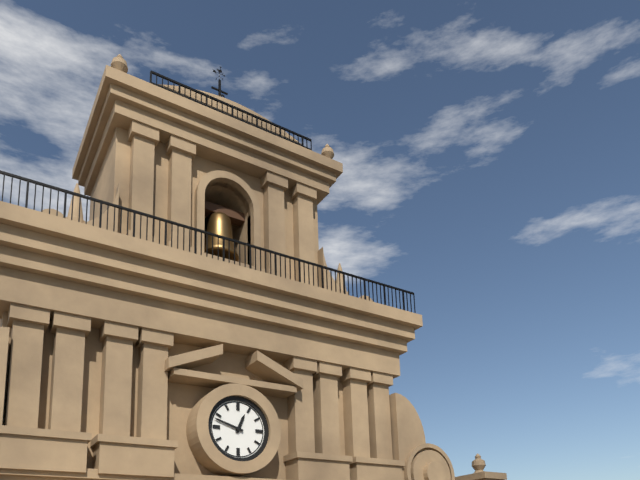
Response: 12:48
